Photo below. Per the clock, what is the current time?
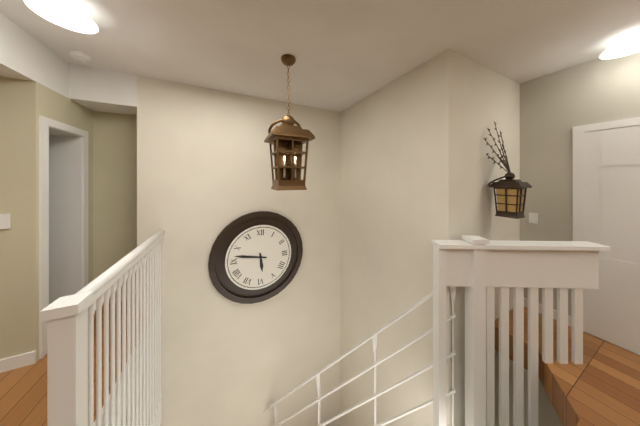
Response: 5:47
